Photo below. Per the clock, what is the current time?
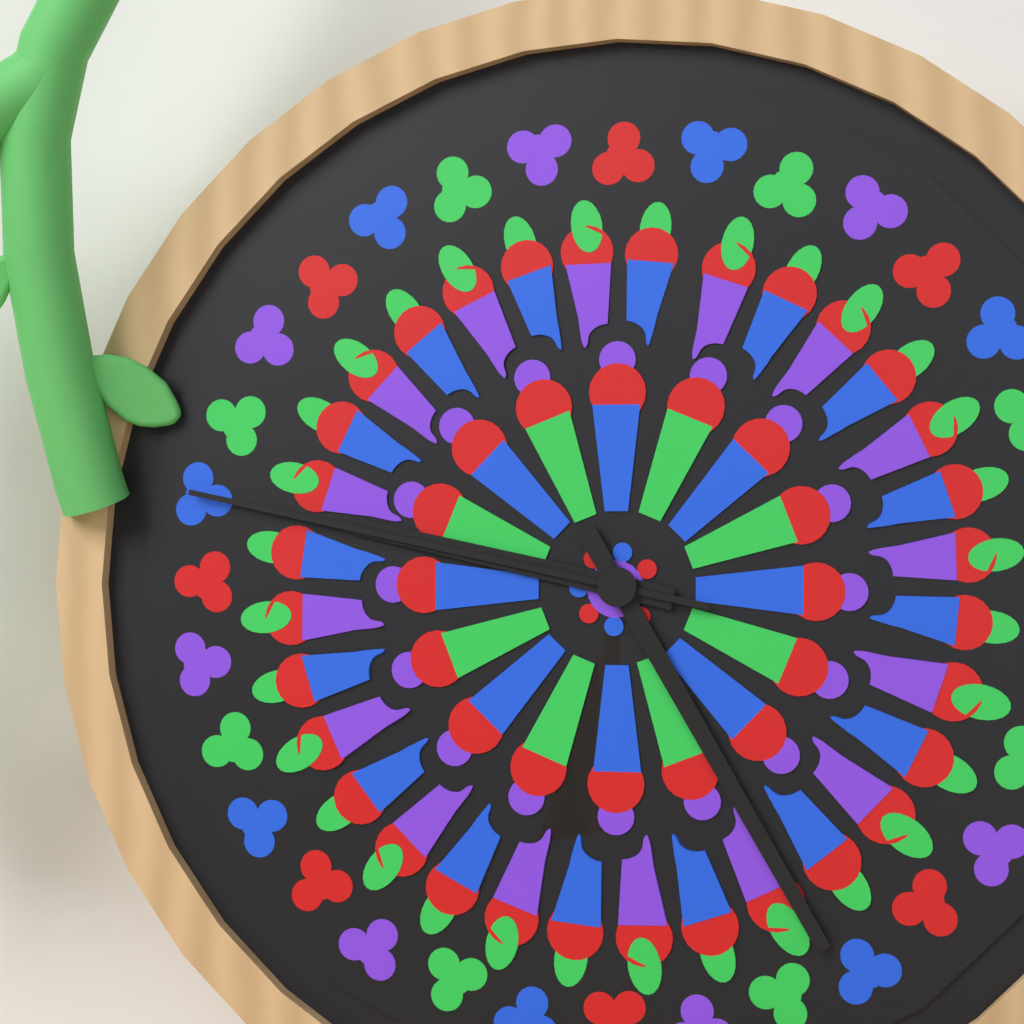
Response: 9:25:47
